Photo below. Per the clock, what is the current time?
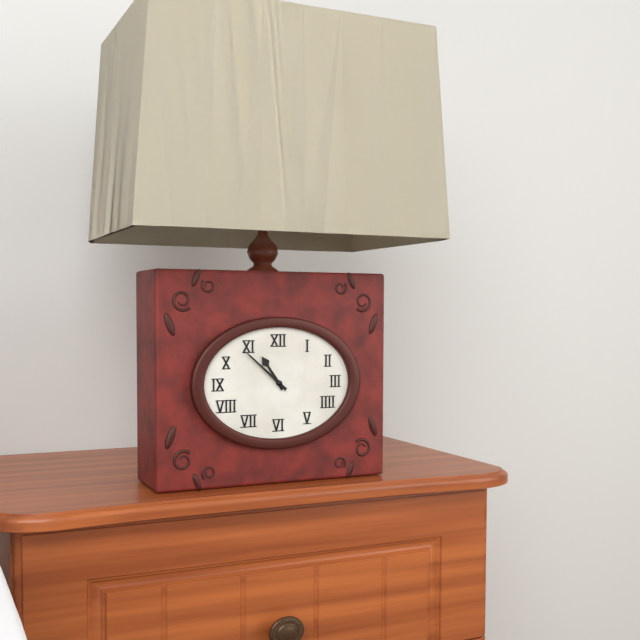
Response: 10:52
